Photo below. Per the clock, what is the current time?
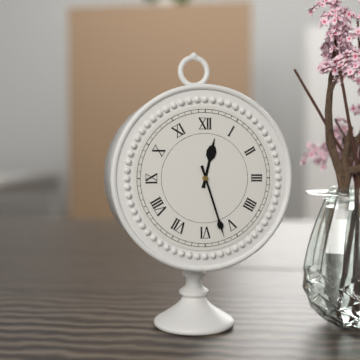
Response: 12:27
